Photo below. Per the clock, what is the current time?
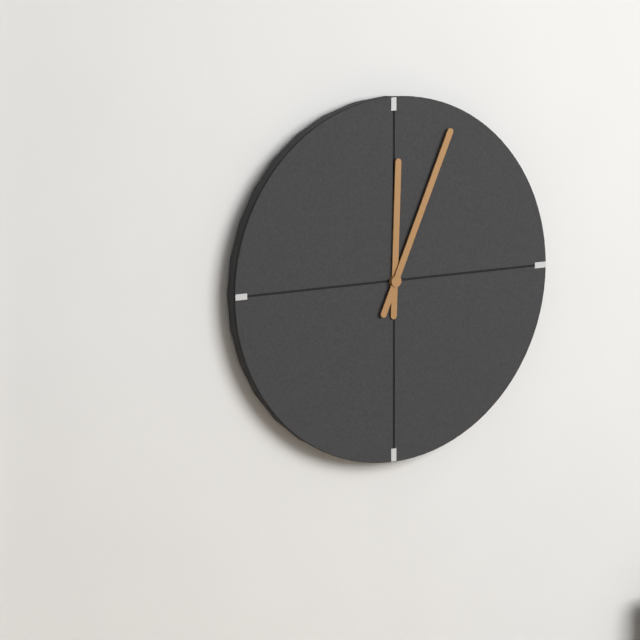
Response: 12:04
